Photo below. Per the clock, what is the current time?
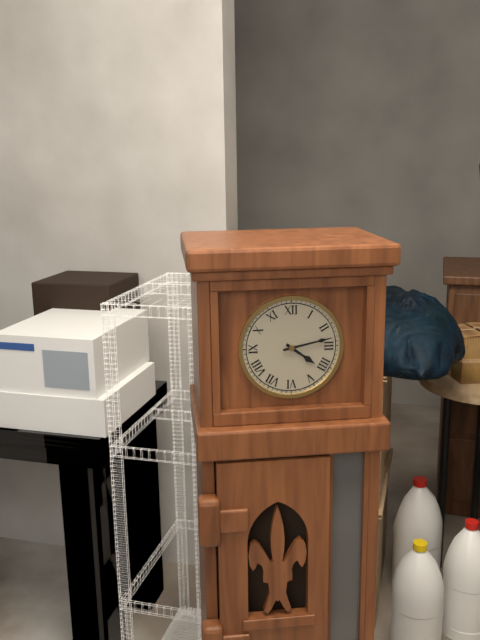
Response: 4:13
